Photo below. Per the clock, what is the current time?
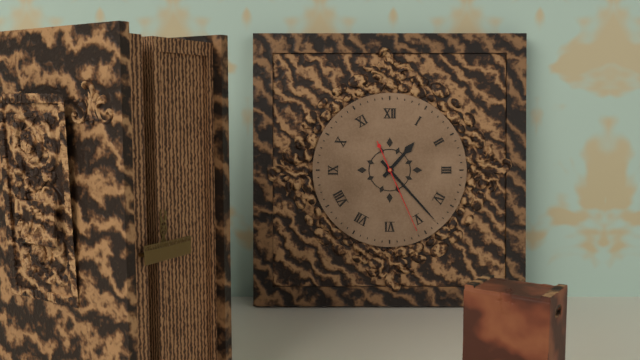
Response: 1:23:26
